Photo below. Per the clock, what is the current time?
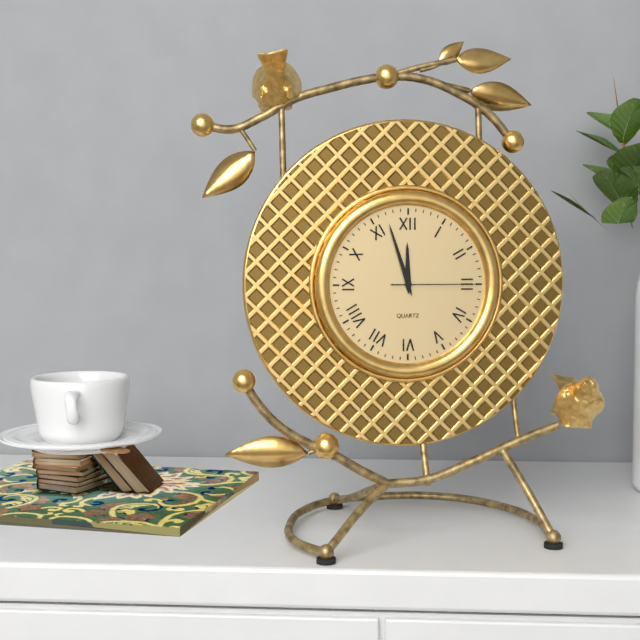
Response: 11:57:15
